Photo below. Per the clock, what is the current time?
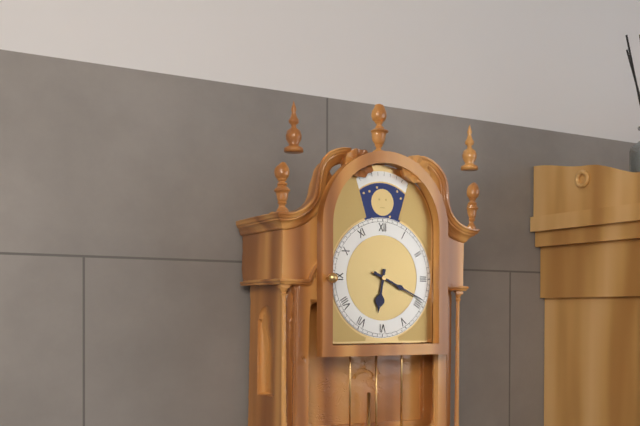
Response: 6:19
